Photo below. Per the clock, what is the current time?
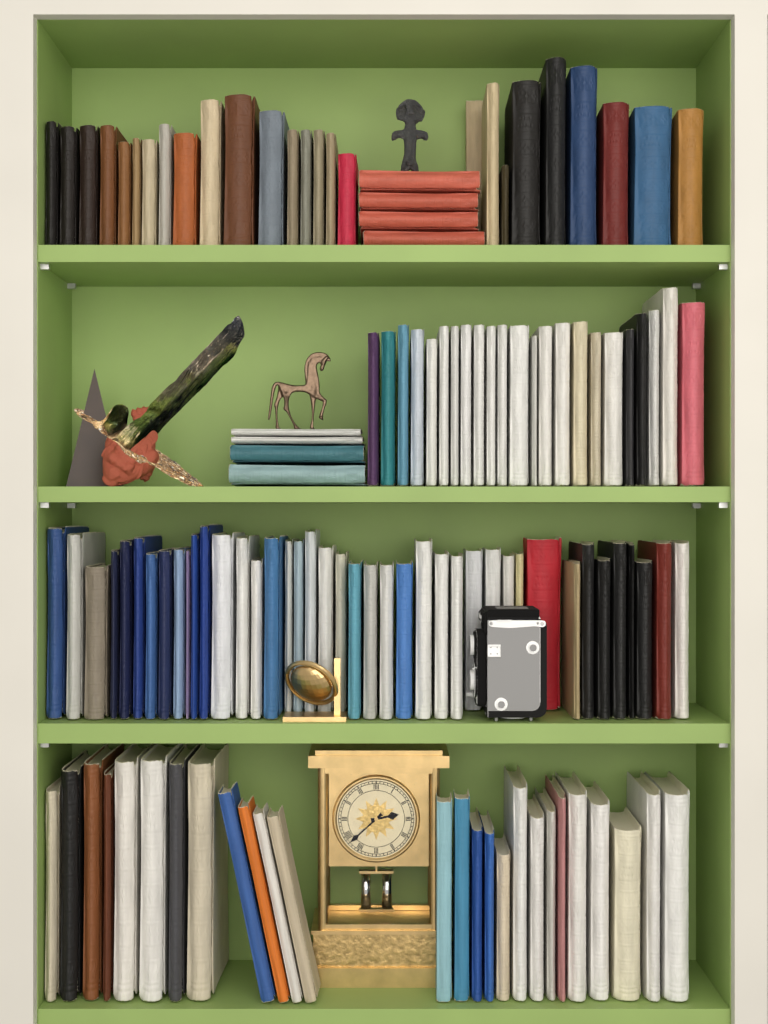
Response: 2:38
